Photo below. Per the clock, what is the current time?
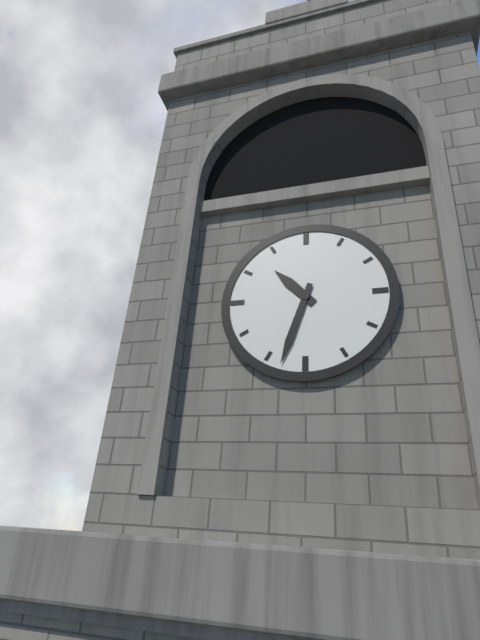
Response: 10:33
